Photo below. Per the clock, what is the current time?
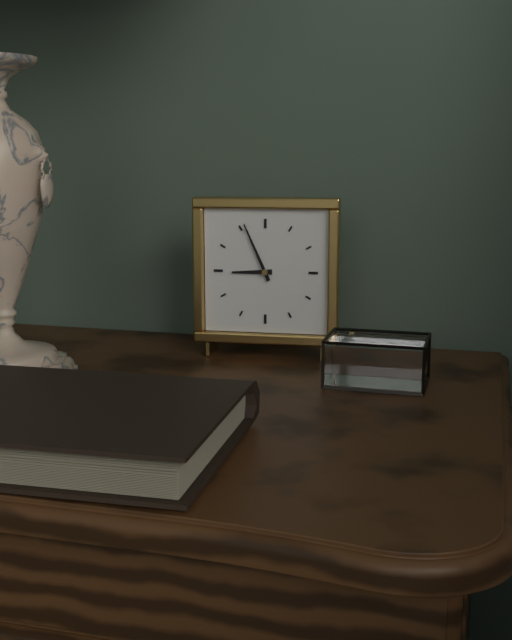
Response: 8:56
